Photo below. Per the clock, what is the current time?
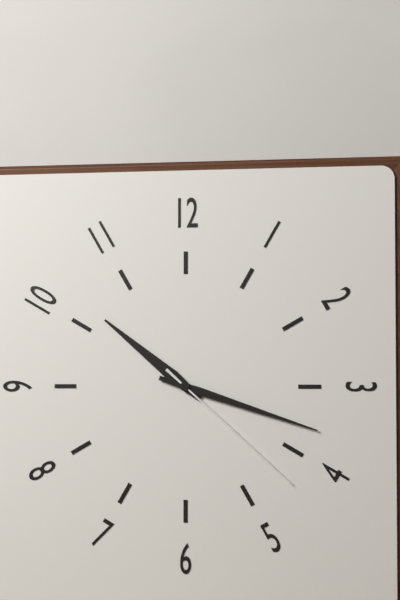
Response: 10:18:22
